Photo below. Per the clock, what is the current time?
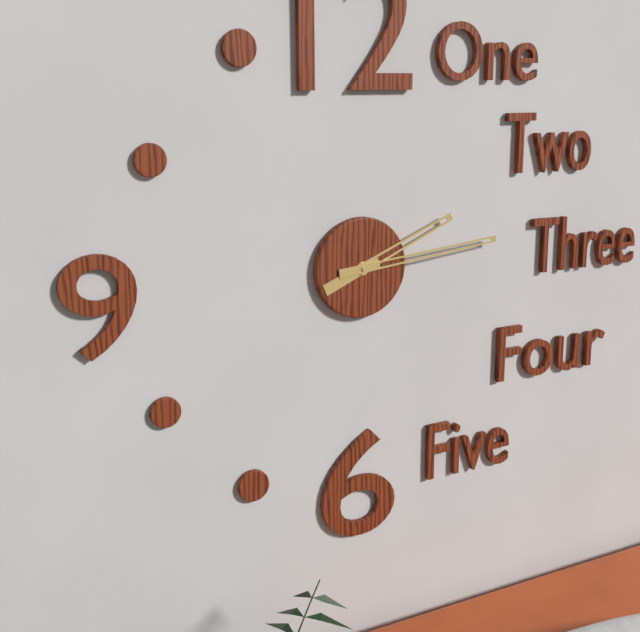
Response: 2:14
